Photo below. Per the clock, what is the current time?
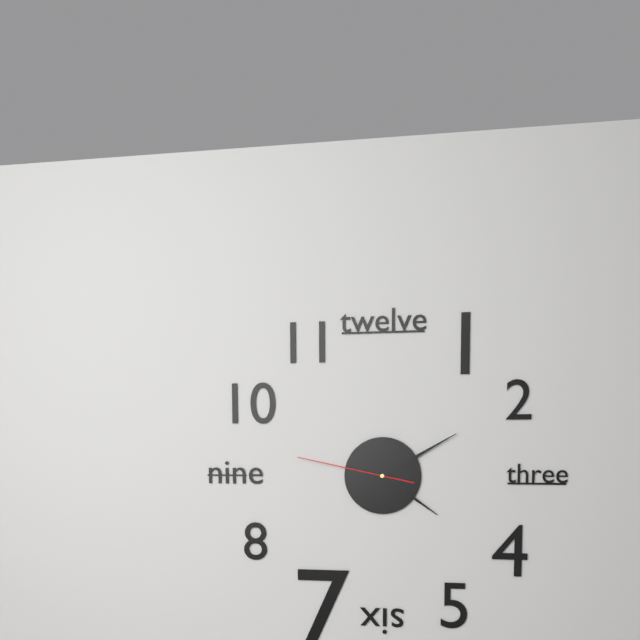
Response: 4:10:47
